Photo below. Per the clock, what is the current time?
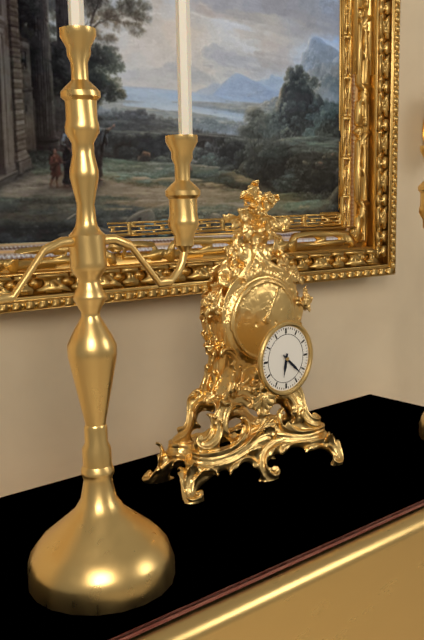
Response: 6:22
